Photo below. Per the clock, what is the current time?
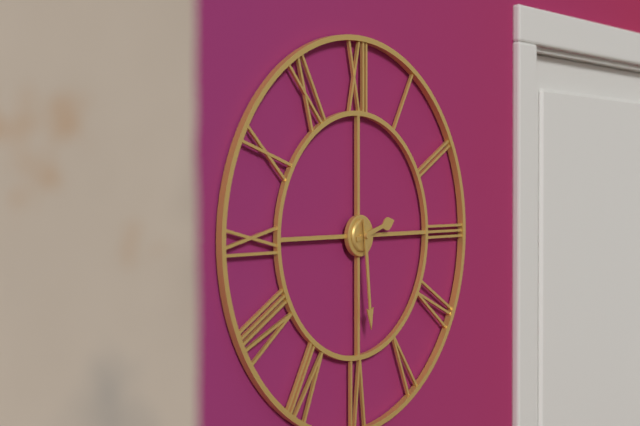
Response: 2:29
